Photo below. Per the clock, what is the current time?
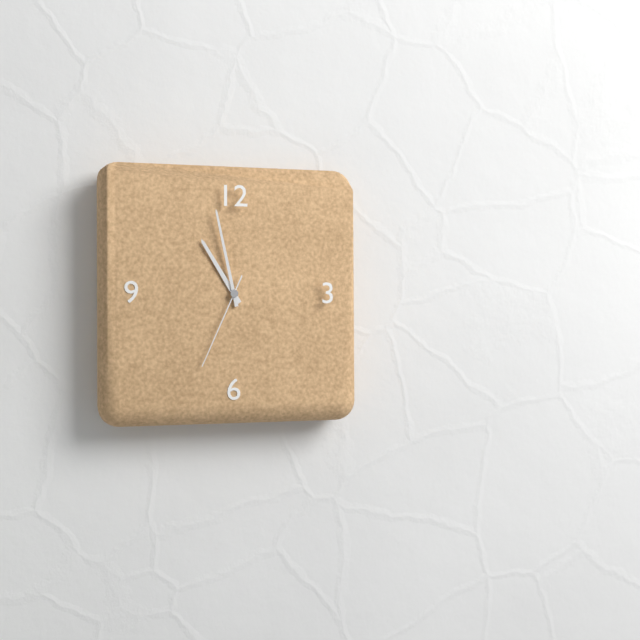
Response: 10:58:34
